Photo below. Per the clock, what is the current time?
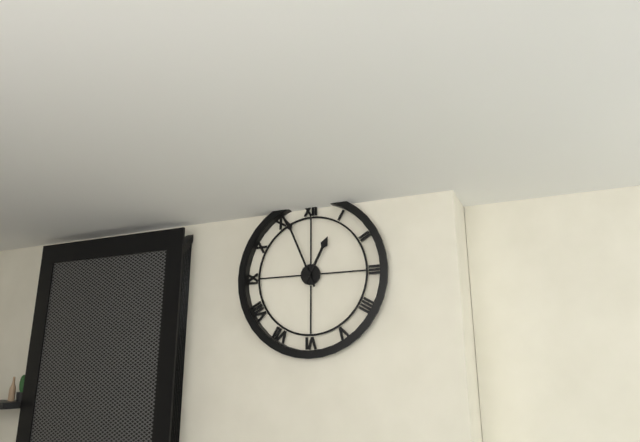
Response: 12:56
